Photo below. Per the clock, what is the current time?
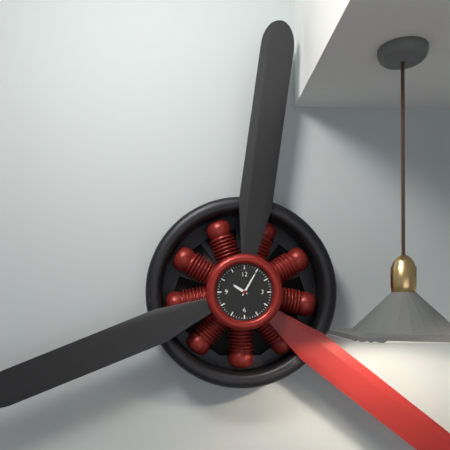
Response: 10:05
